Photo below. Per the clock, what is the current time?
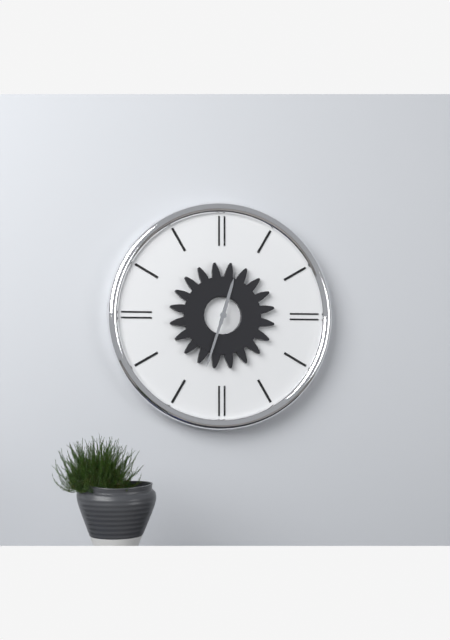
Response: 12:33
